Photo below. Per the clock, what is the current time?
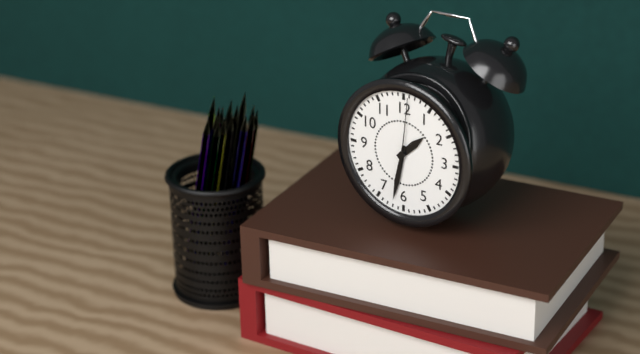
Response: 1:32:01
